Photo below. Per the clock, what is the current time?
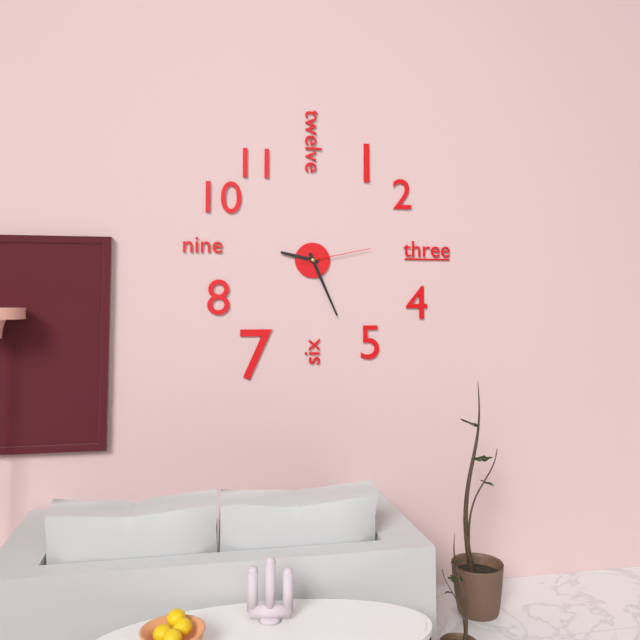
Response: 9:26:13
